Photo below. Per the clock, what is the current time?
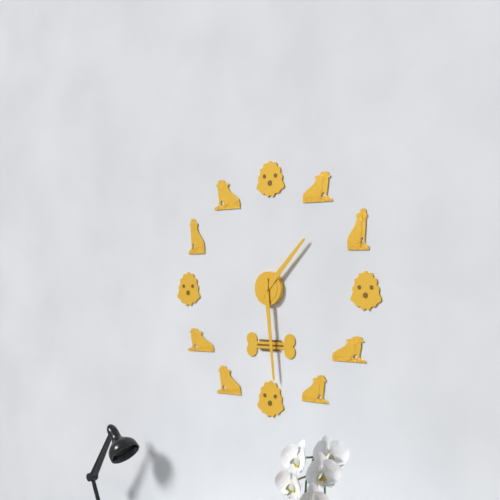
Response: 1:29
